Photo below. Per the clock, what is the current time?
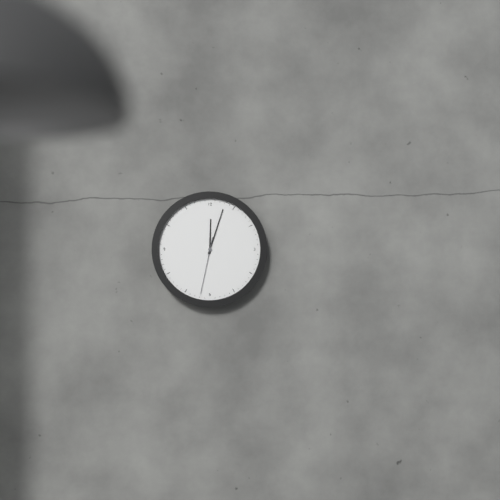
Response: 12:03:32
